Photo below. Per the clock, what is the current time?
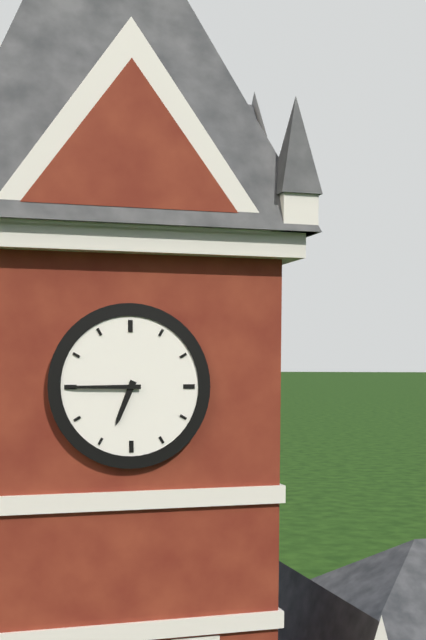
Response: 6:45
